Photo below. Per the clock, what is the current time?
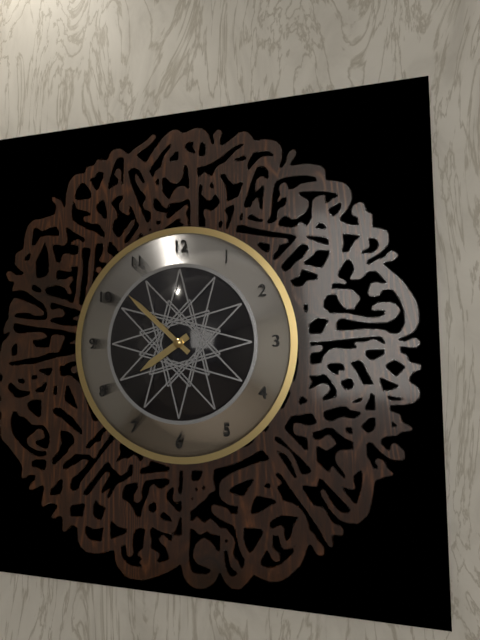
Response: 7:52
